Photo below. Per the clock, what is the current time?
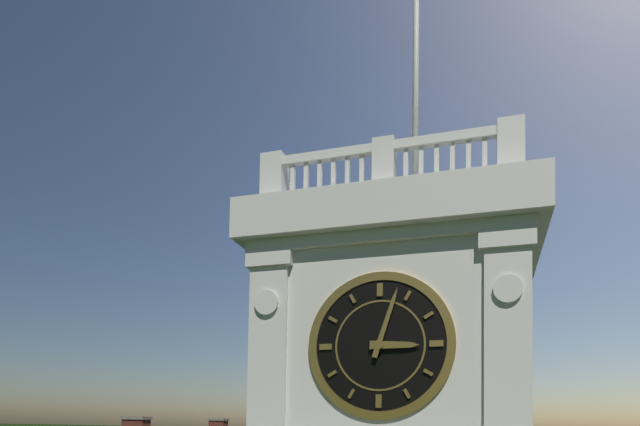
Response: 3:03
